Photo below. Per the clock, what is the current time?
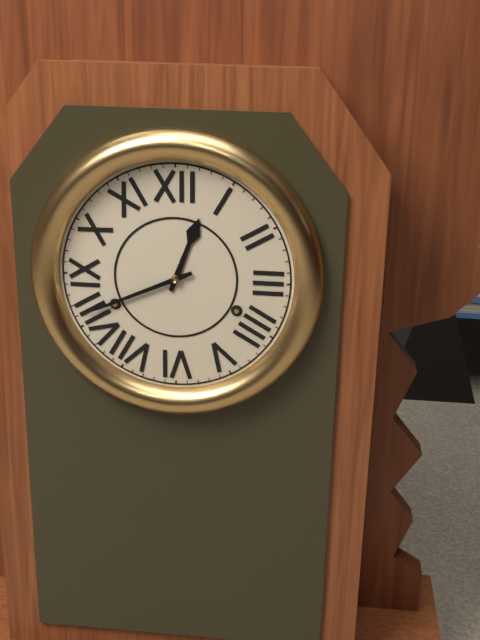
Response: 12:41
